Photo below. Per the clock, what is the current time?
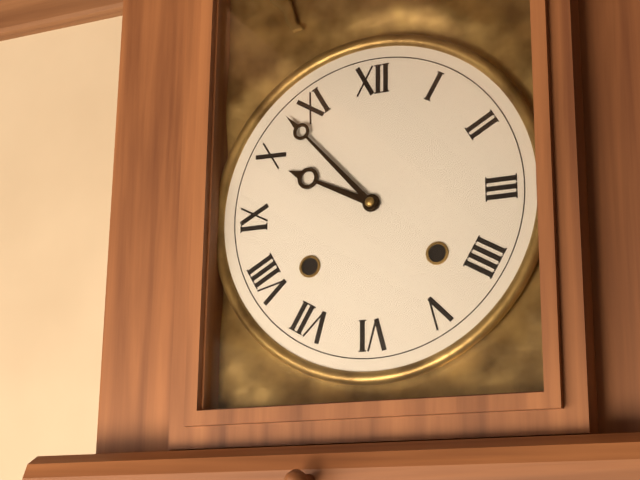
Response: 9:53
